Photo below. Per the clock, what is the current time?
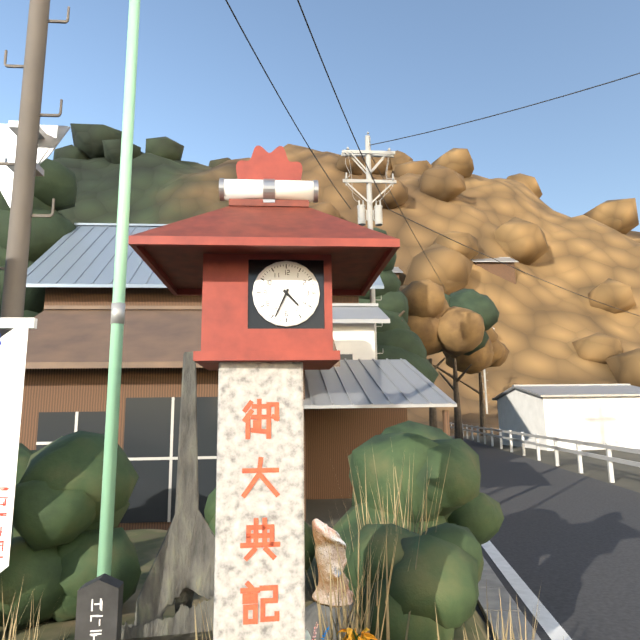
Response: 4:34
